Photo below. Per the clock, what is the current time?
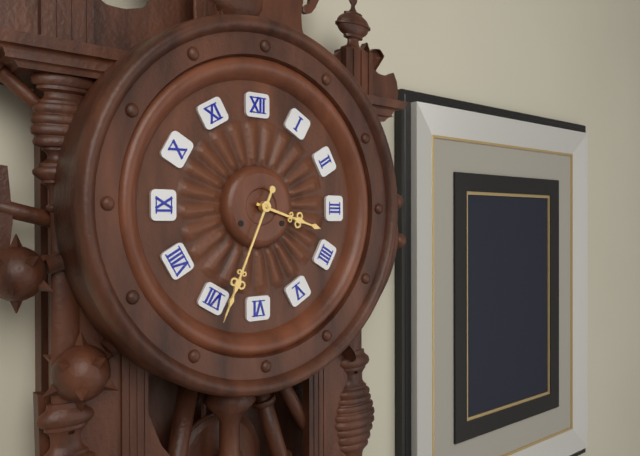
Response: 3:34
